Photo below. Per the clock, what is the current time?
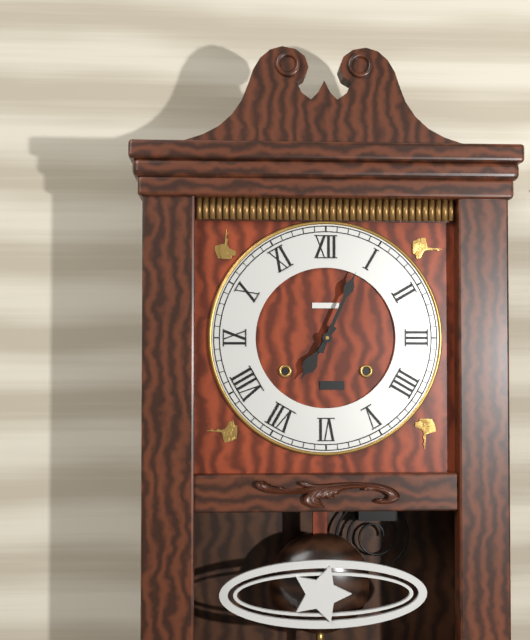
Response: 7:04
